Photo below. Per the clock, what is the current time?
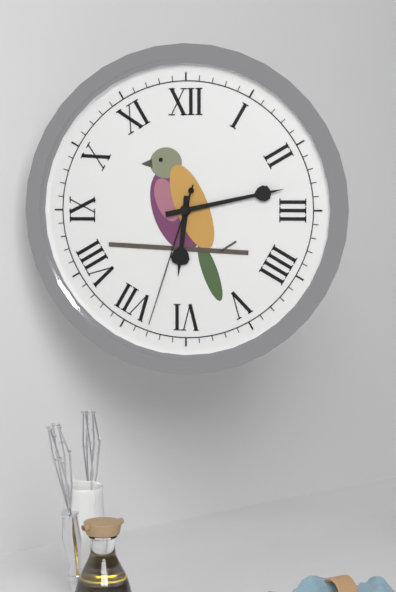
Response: 6:13:33
